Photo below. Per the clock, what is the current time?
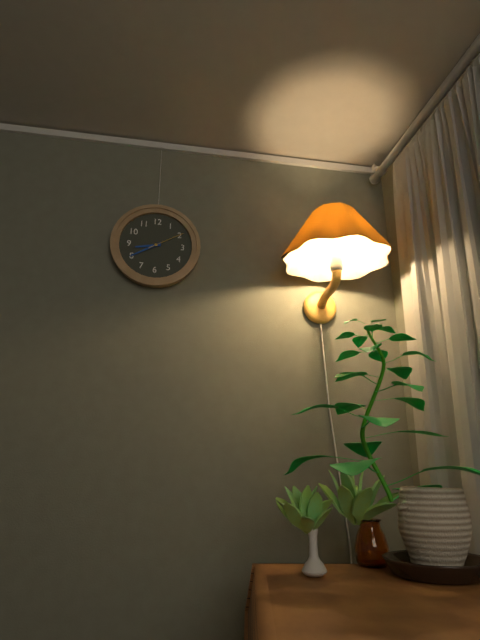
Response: 8:40
